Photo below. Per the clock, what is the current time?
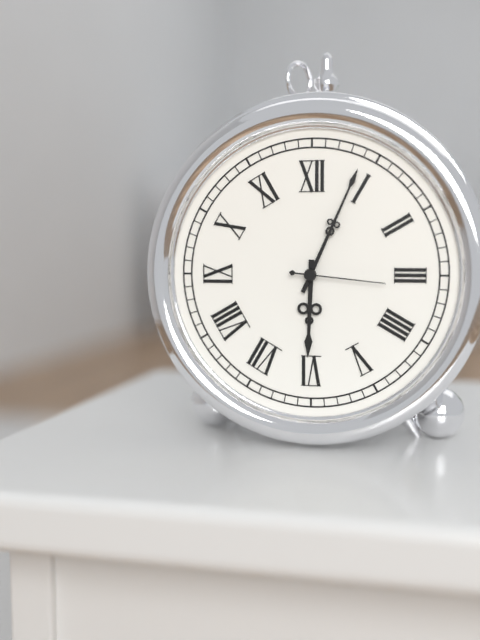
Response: 6:04:16
